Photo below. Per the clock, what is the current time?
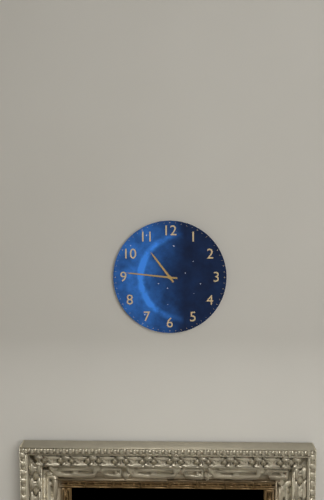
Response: 10:46
